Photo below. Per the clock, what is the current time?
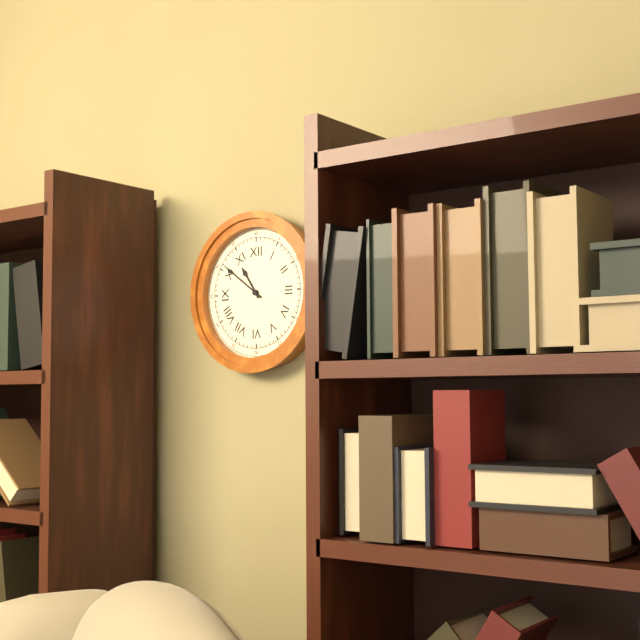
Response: 10:51
